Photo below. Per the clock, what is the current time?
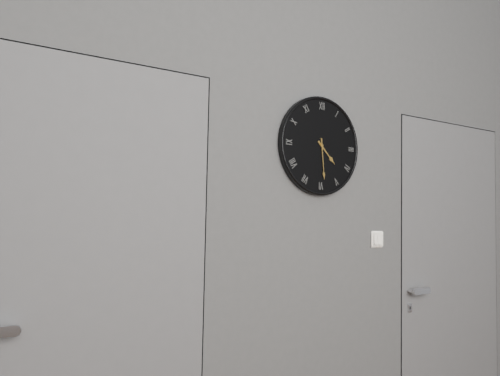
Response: 4:29
